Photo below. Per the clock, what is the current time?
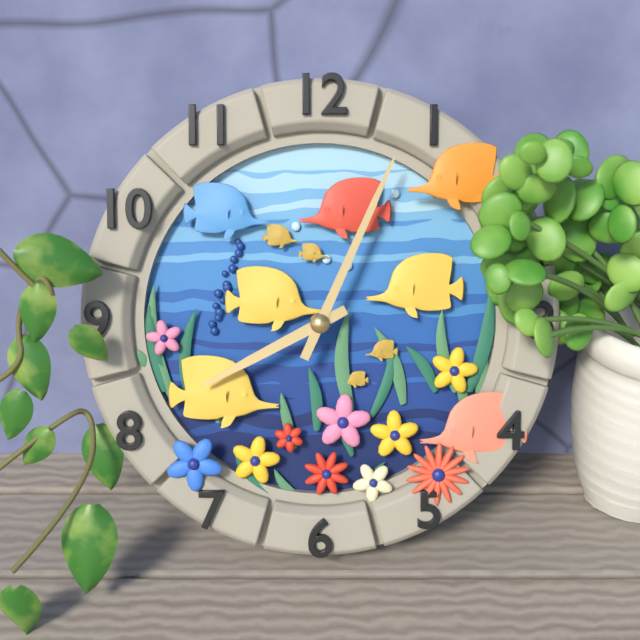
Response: 8:04
